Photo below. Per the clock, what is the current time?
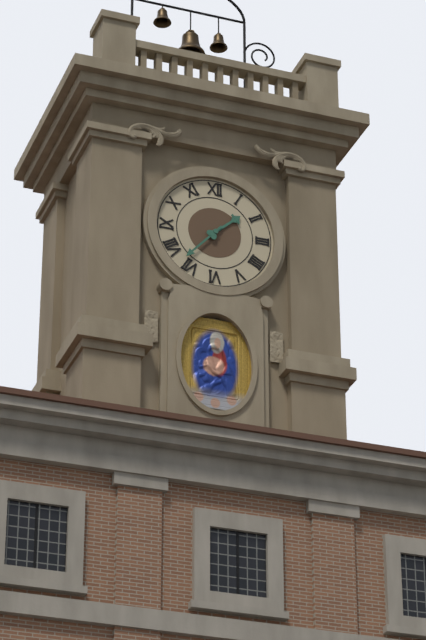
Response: 1:37
